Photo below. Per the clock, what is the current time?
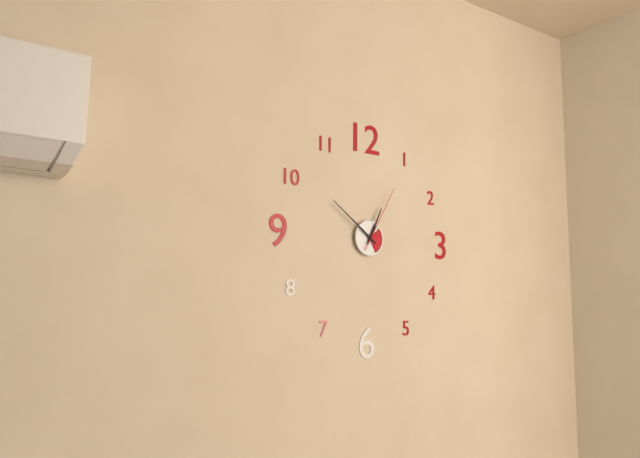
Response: 12:51:05
